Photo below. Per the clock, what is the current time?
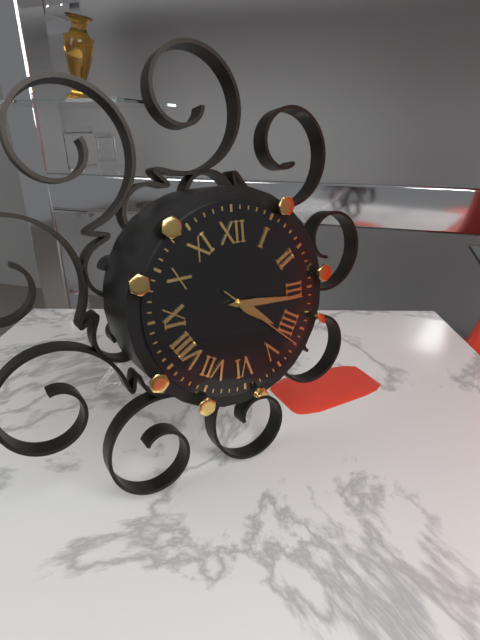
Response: 4:16:22
